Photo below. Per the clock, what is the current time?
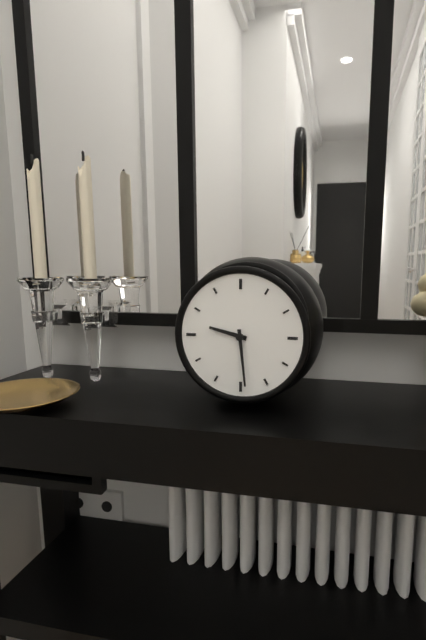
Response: 9:29
